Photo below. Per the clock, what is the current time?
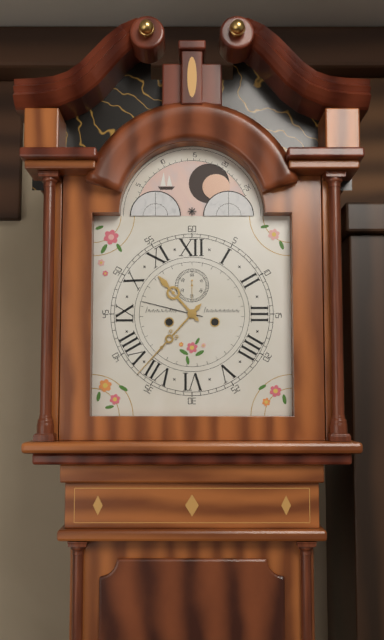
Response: 10:37
